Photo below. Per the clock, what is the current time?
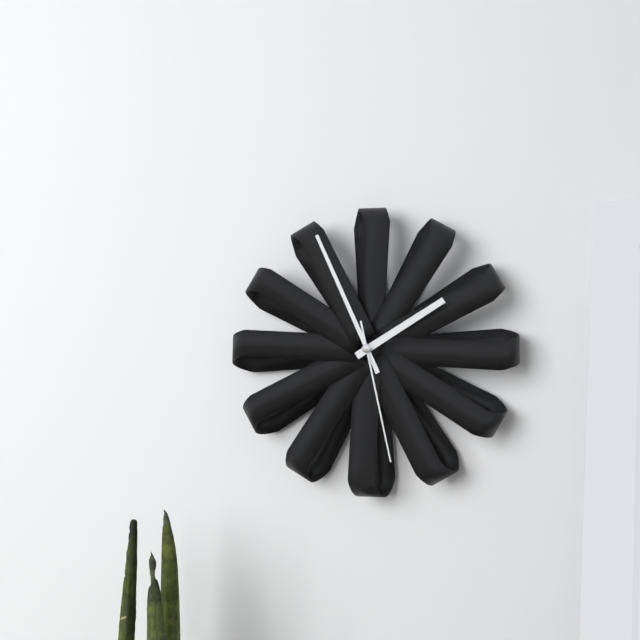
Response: 1:56:28
